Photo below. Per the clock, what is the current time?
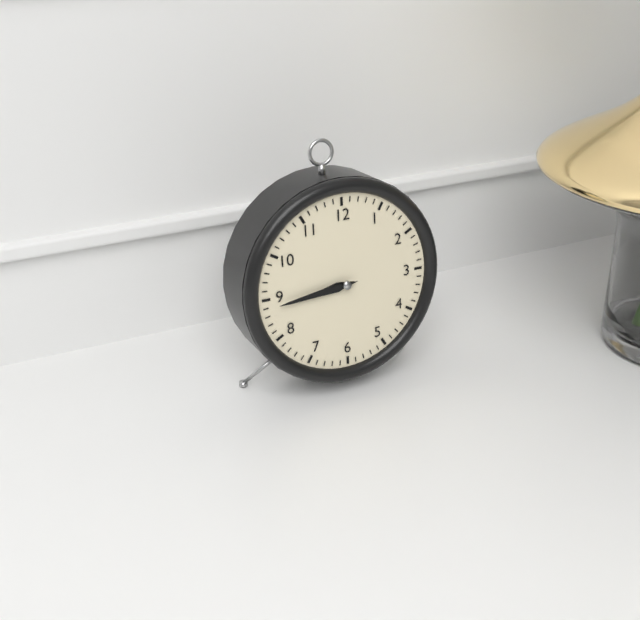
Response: 8:44
